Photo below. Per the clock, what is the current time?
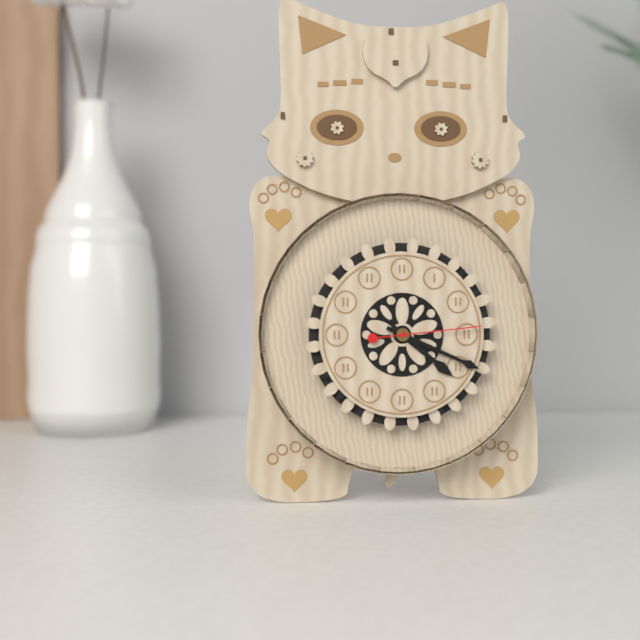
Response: 4:19:14
